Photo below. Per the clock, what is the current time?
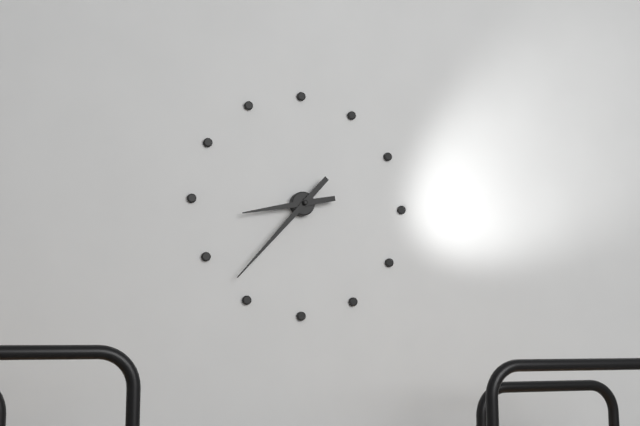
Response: 8:37
